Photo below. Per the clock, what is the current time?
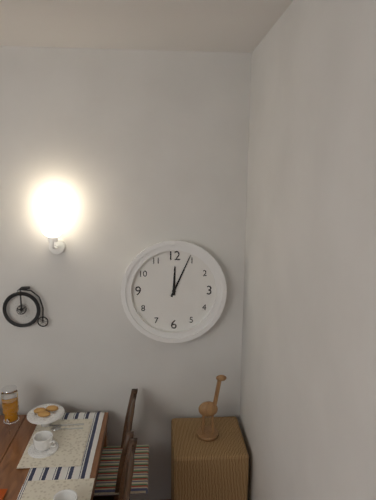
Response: 12:04
